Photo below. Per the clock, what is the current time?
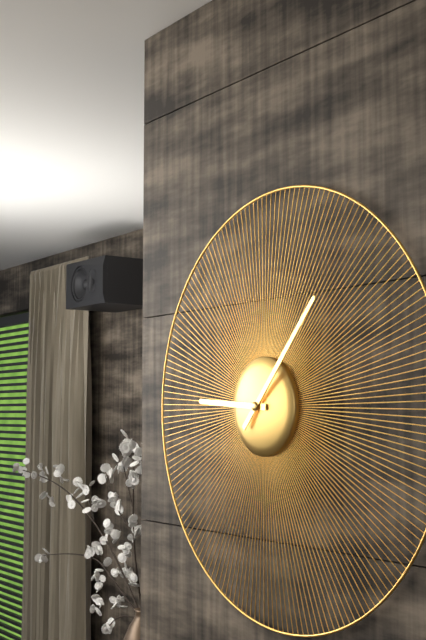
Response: 9:07
